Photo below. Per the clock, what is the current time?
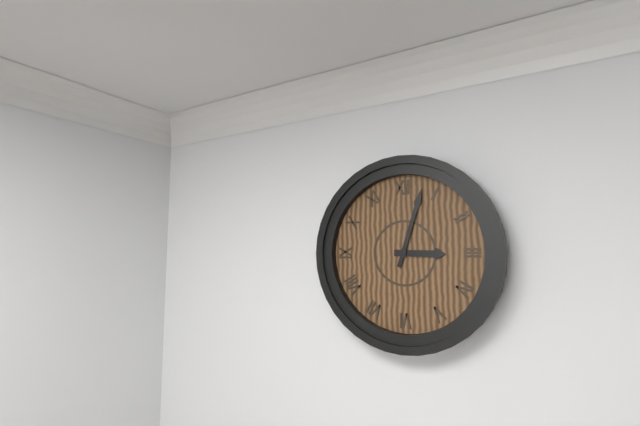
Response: 3:03
